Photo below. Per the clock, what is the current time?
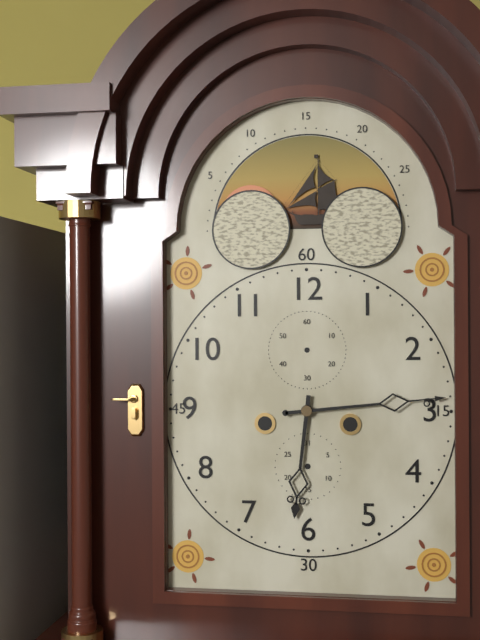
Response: 6:14
